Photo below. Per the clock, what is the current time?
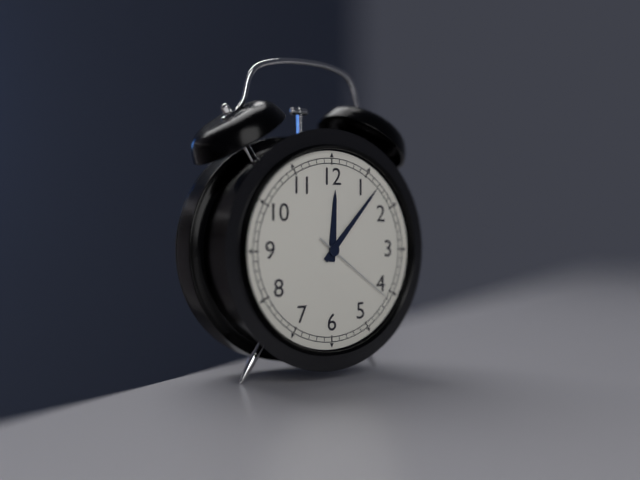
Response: 12:07:21
